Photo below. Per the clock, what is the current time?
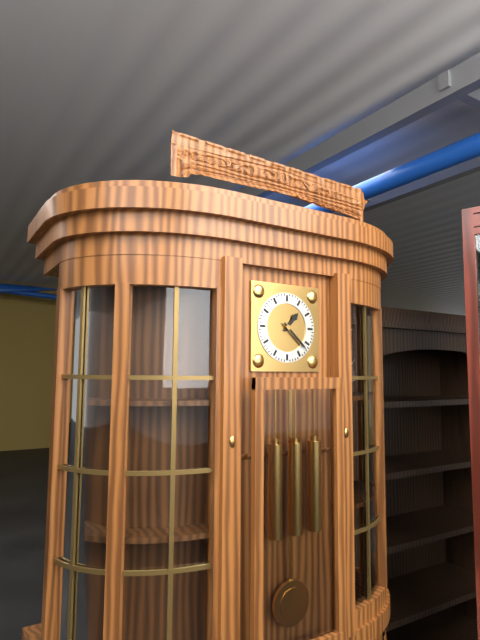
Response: 1:22
